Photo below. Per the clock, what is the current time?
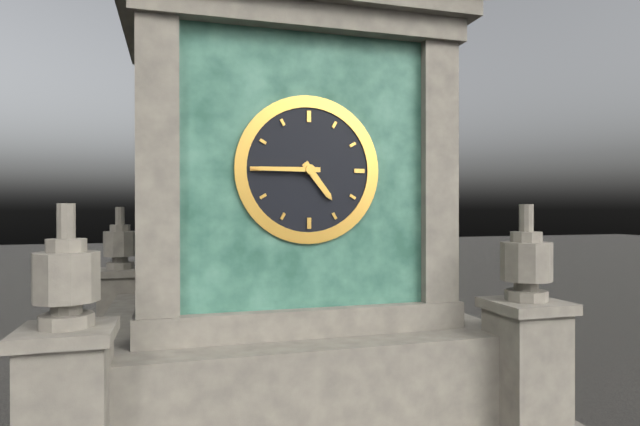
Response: 4:45
